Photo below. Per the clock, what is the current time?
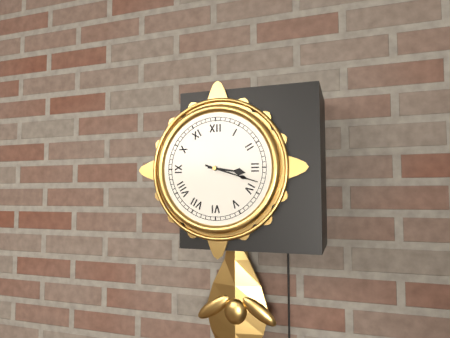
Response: 3:18
